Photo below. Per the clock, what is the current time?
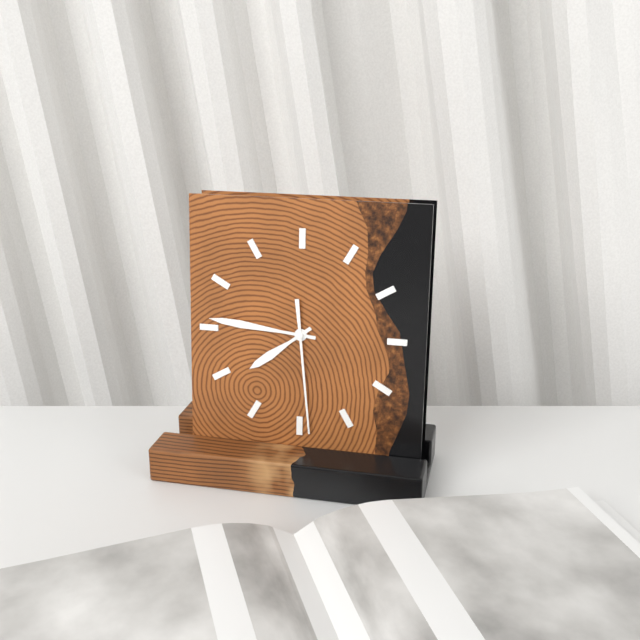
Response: 7:46:29
